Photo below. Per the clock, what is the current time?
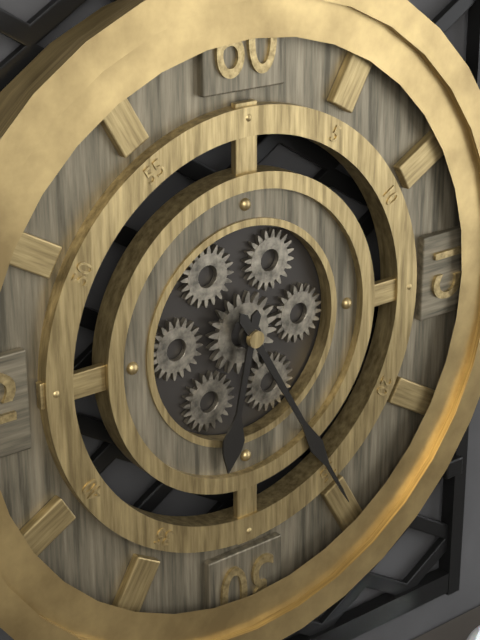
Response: 6:25
